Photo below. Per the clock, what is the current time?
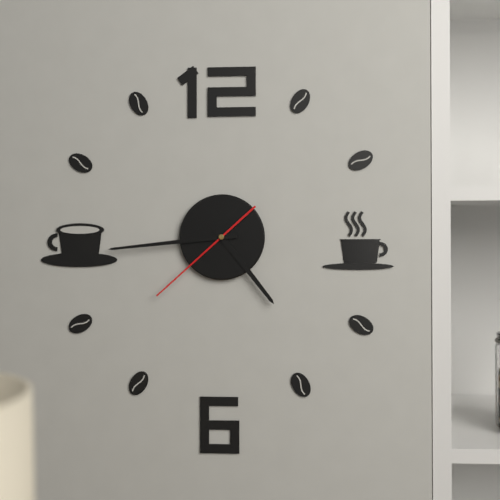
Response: 4:44:38
